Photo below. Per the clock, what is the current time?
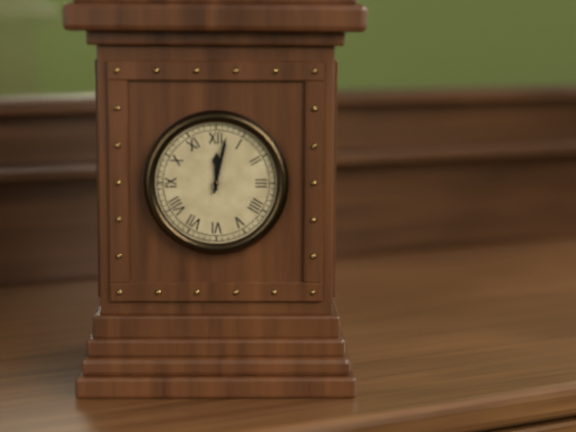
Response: 12:02
